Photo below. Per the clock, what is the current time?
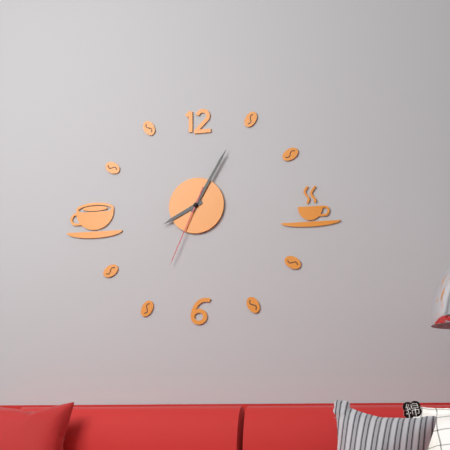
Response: 8:05:34
